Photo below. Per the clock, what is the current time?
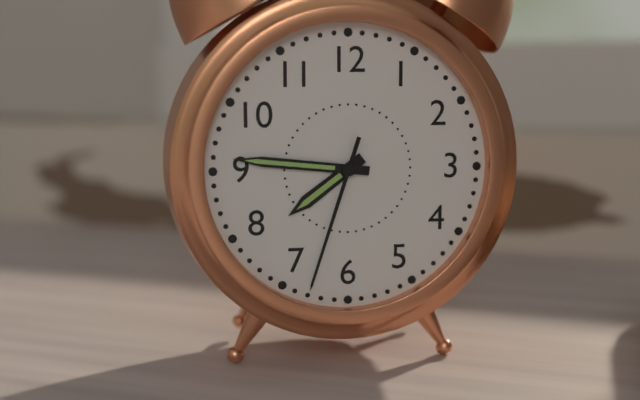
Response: 7:46:33
